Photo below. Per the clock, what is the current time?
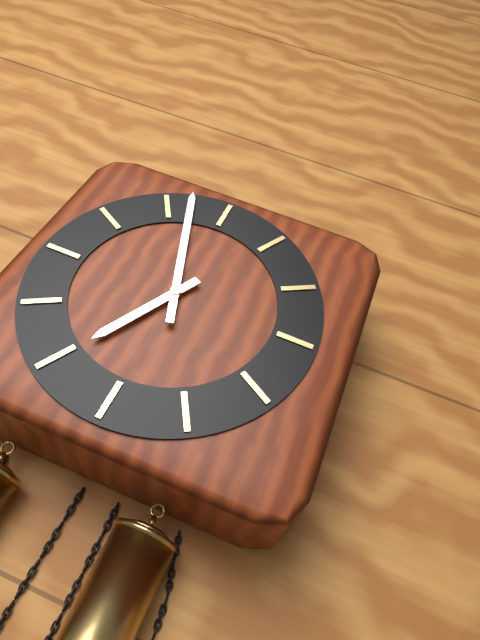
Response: 6:57
